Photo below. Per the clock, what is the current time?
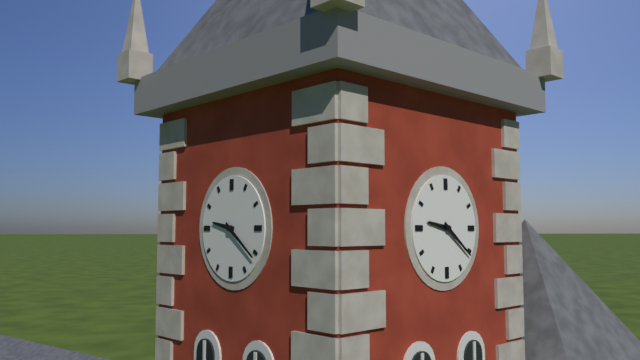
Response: 9:21
